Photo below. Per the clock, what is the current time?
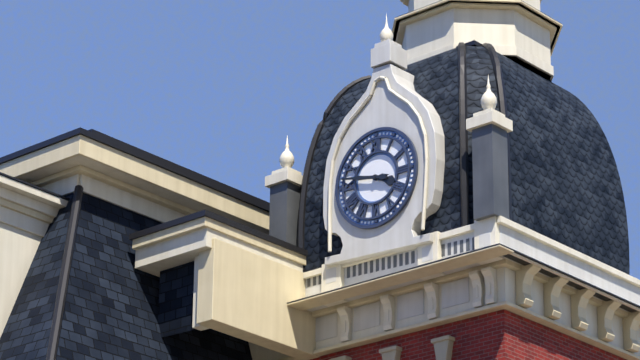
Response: 3:47
